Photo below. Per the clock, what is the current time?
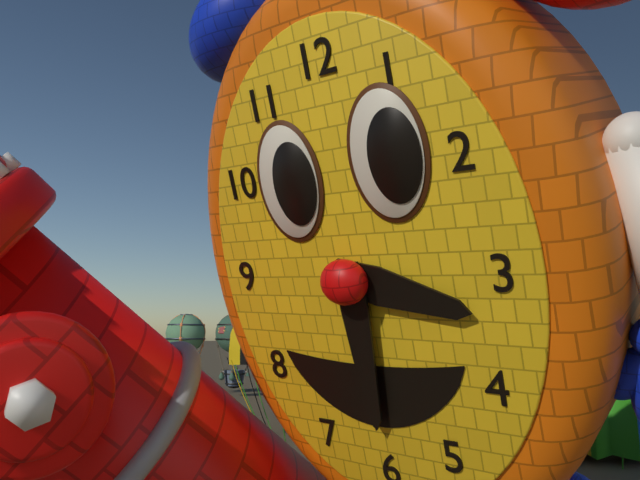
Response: 3:30
